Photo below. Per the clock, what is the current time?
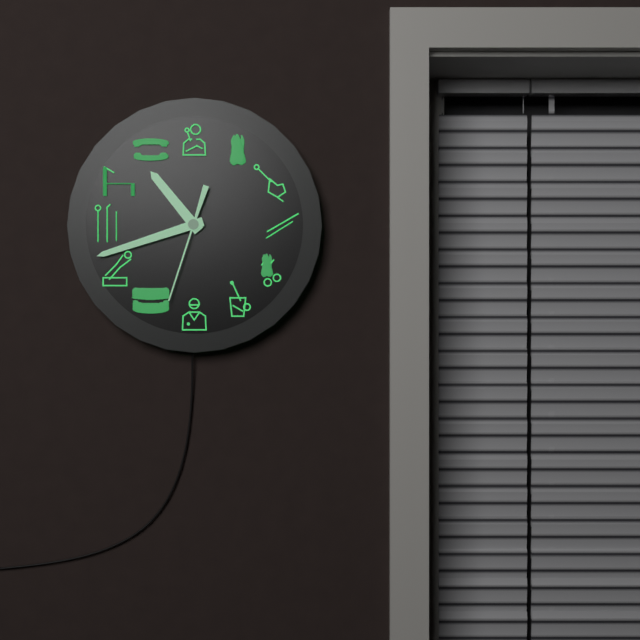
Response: 10:42:33
